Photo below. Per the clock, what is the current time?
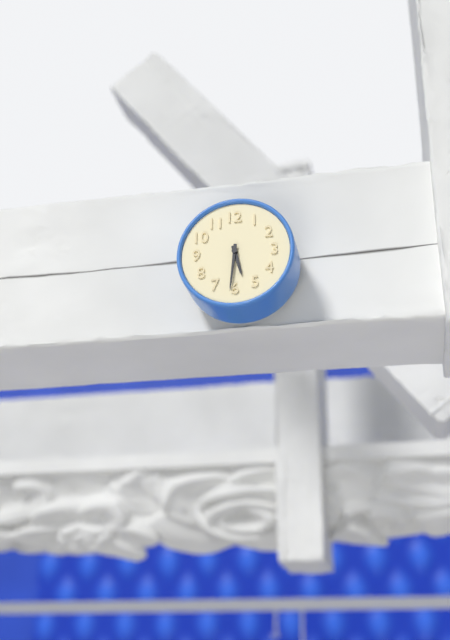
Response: 5:31
